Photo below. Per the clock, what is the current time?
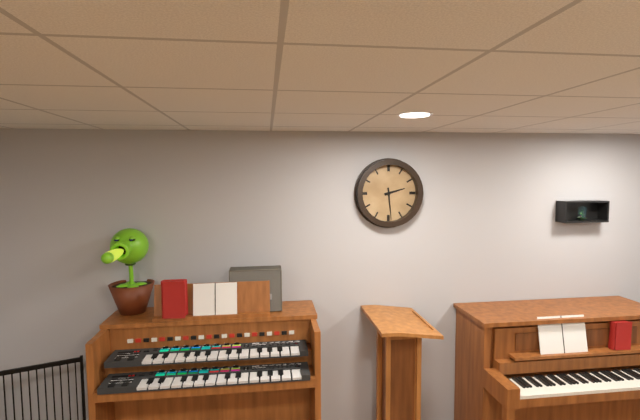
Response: 2:29
